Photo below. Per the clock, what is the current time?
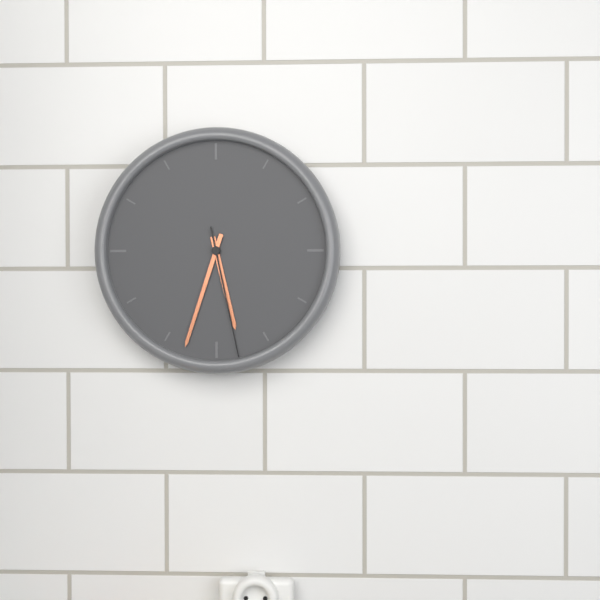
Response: 5:33:28
